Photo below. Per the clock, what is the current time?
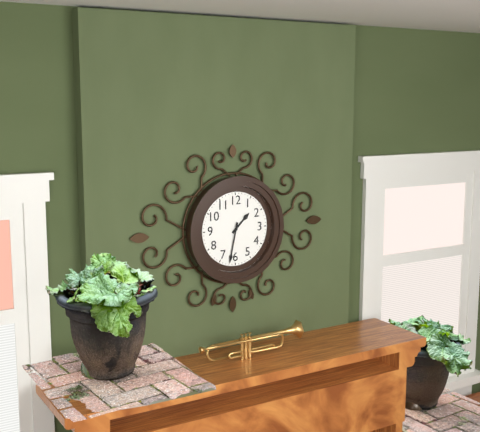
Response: 1:32
